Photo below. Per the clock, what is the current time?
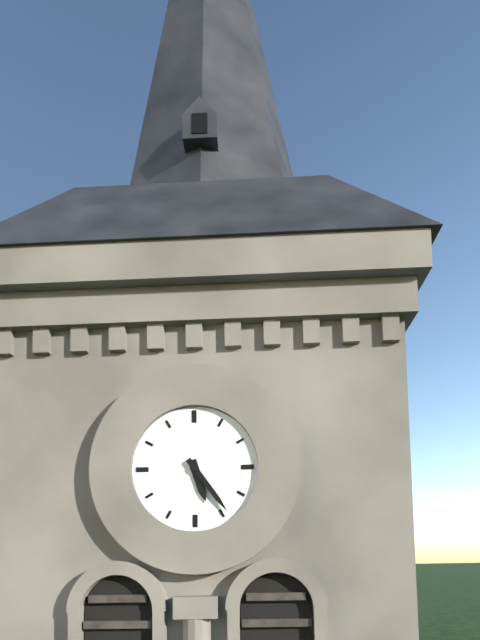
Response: 5:24
